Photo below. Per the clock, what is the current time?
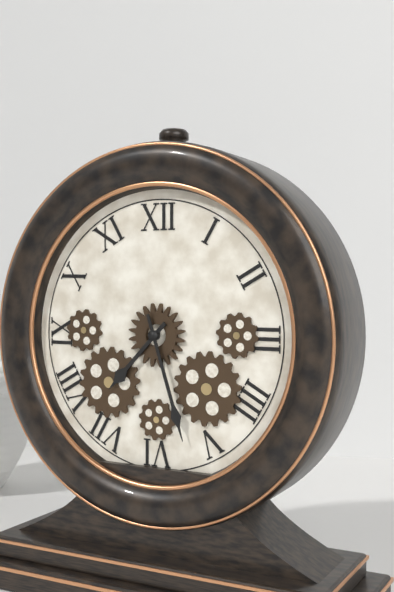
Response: 7:27
